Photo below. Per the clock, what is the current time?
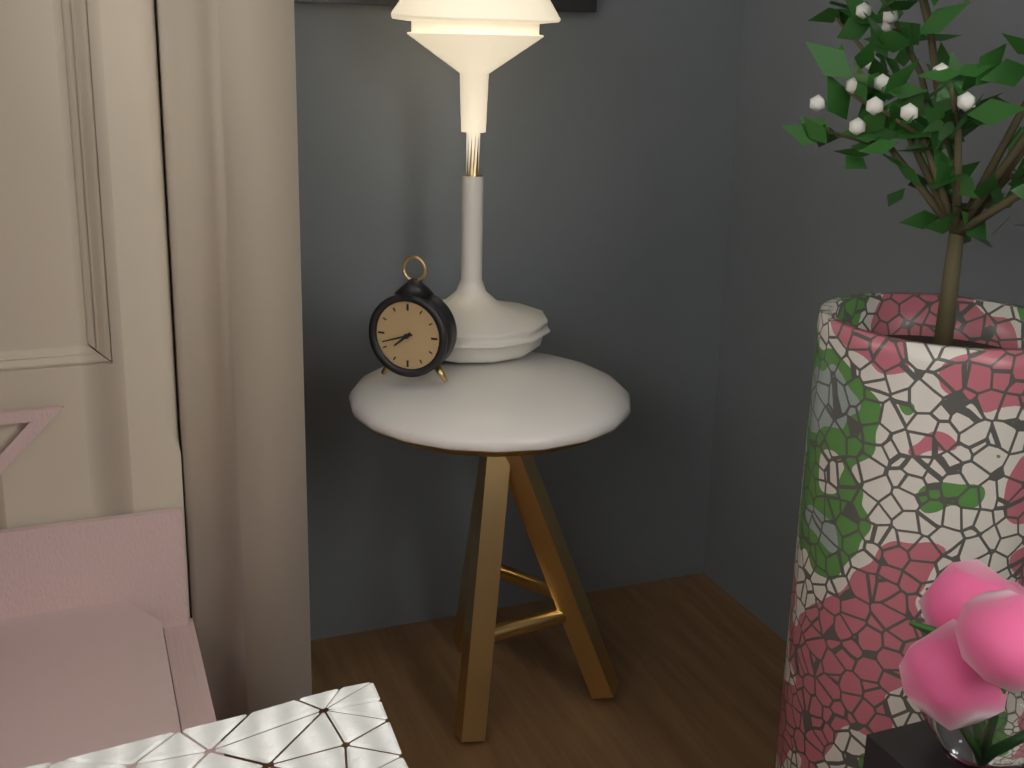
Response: 7:42
